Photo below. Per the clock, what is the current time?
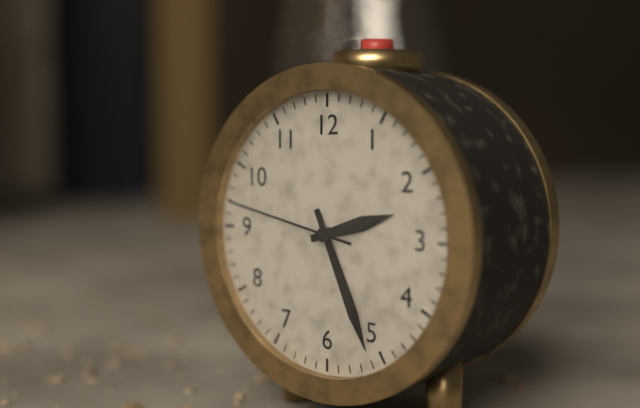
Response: 2:26:47
